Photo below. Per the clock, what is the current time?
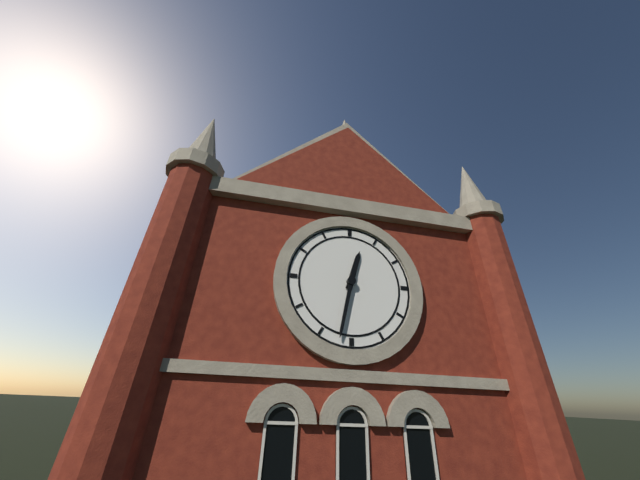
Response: 12:32
